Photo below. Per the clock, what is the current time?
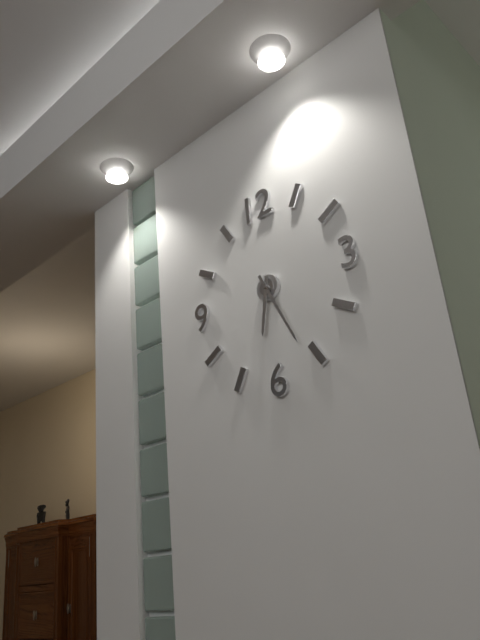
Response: 6:26
